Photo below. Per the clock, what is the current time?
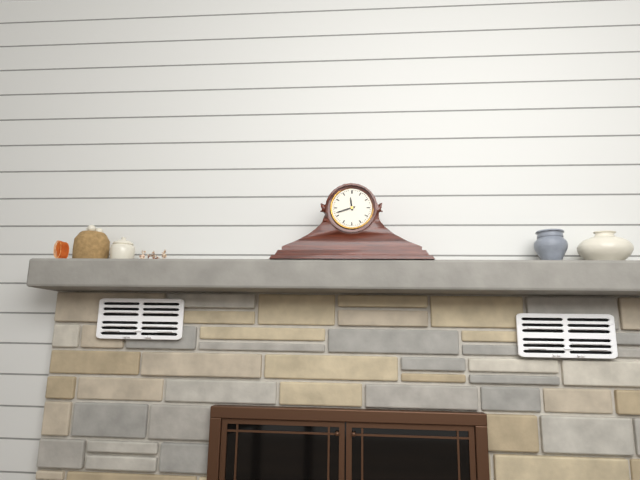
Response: 11:42
